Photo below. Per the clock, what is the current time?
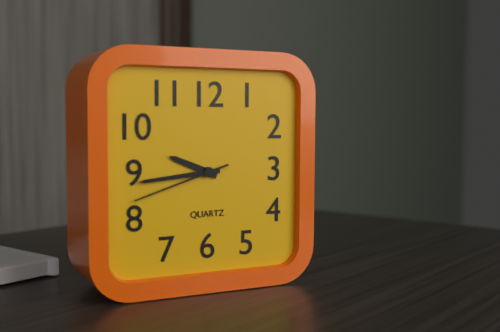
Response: 9:44:42
